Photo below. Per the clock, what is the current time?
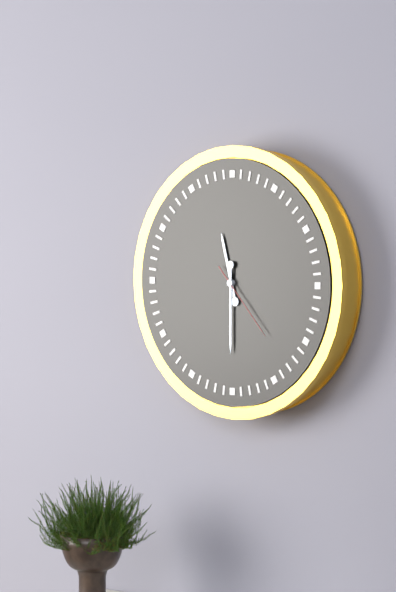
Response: 11:30:23
